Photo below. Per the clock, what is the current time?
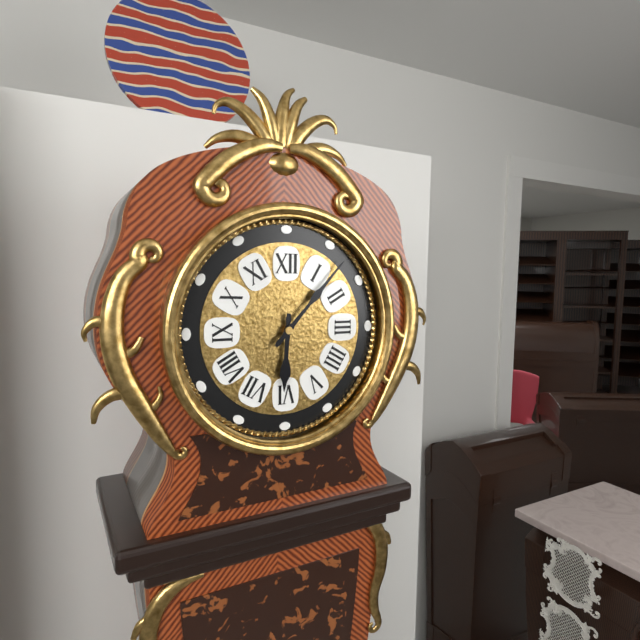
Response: 6:07
